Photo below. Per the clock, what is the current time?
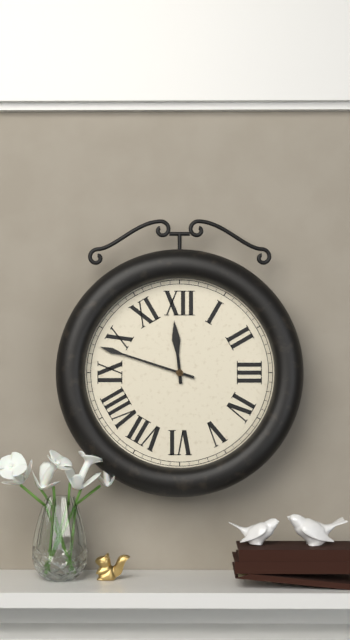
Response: 11:48
